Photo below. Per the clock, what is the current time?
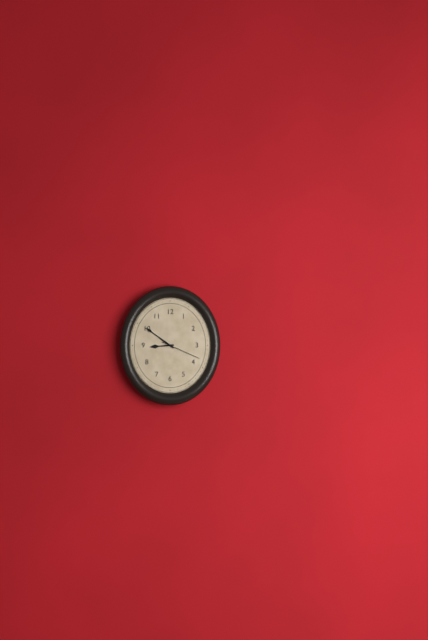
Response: 8:51
